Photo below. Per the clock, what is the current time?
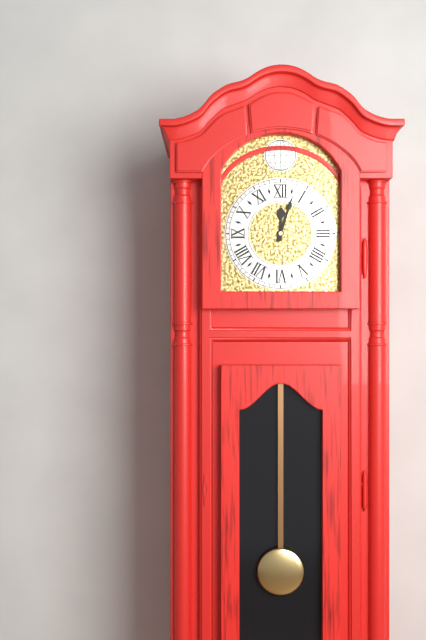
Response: 12:03
